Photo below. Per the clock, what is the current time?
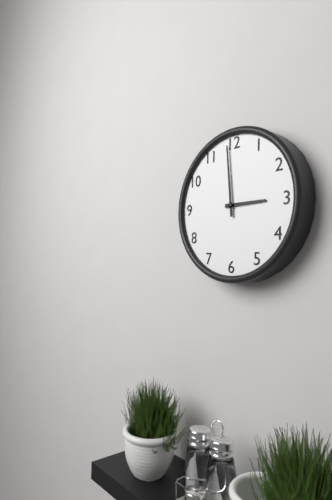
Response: 2:59
